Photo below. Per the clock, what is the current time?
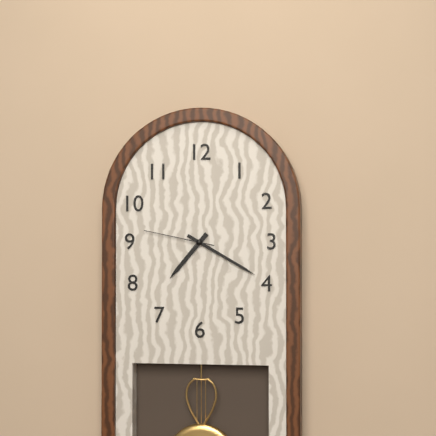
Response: 7:20:47
